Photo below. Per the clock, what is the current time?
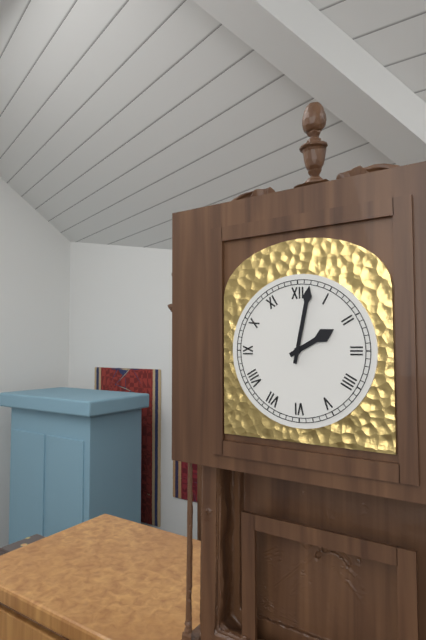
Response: 2:02
